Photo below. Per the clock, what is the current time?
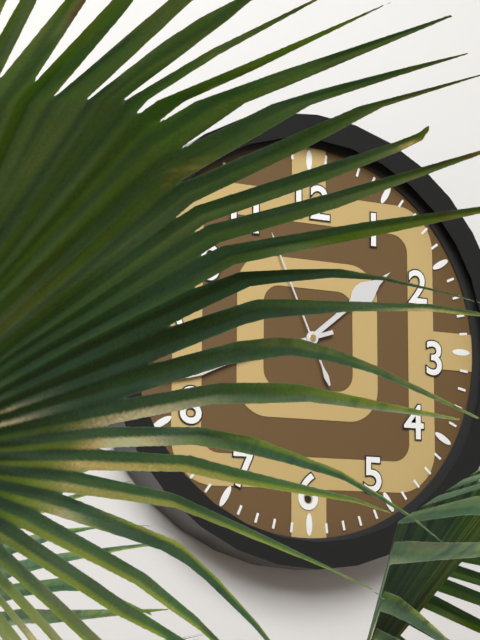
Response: 1:42:56
